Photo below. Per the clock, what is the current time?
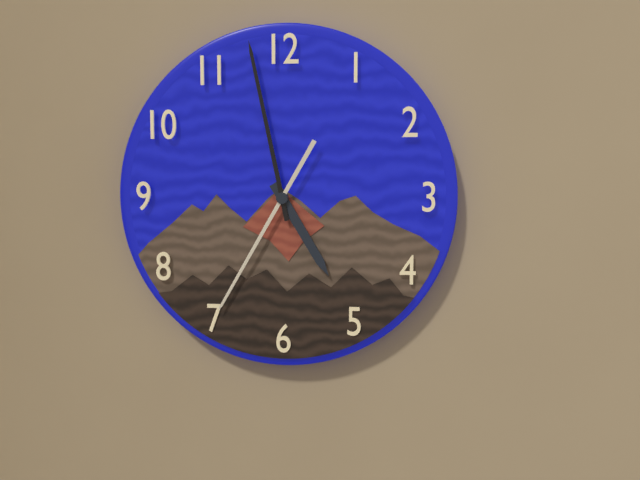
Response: 4:58:35
